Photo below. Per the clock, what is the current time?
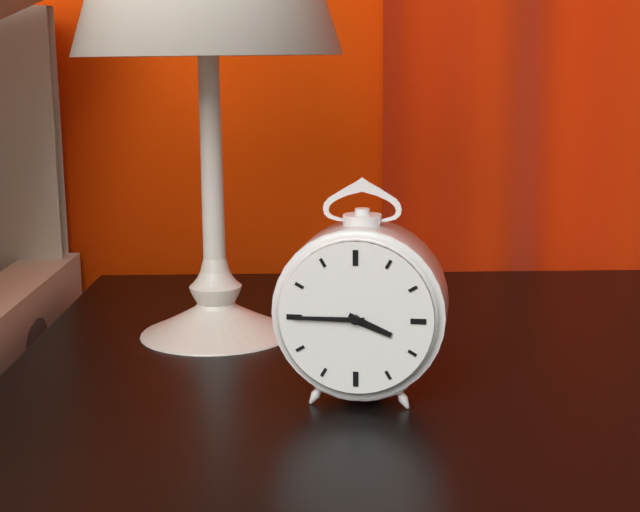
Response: 3:45
